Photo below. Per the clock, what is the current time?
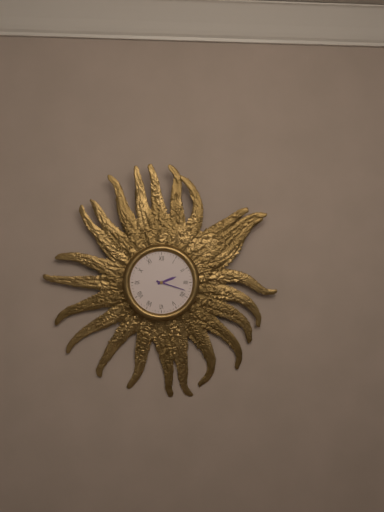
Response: 2:18
